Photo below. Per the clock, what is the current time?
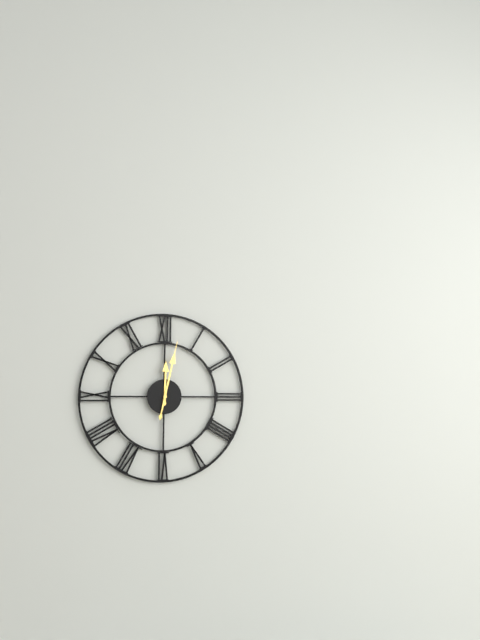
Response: 12:02
